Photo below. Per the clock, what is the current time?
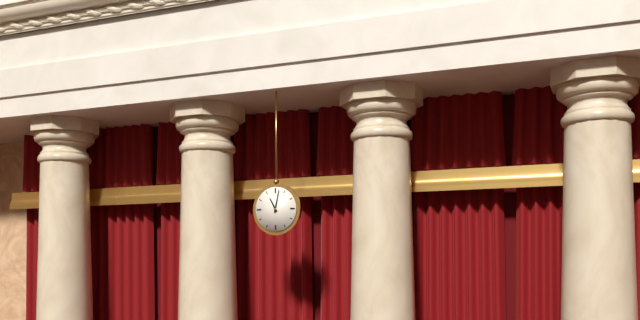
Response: 11:02
